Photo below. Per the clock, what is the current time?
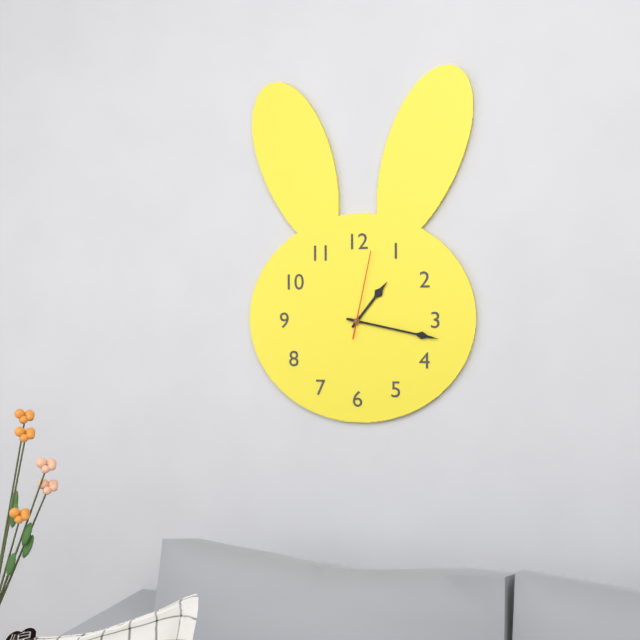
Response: 1:17:02
